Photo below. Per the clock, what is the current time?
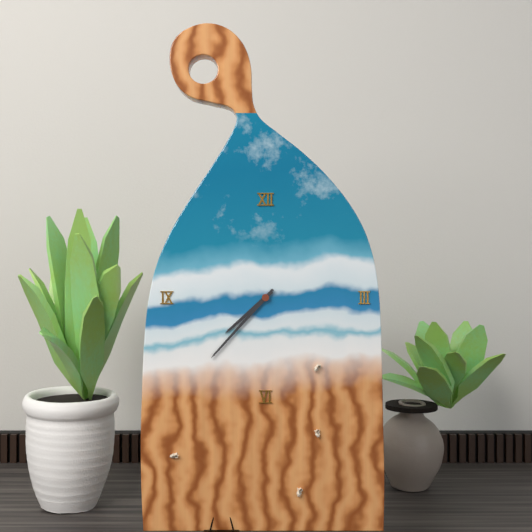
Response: 7:37
